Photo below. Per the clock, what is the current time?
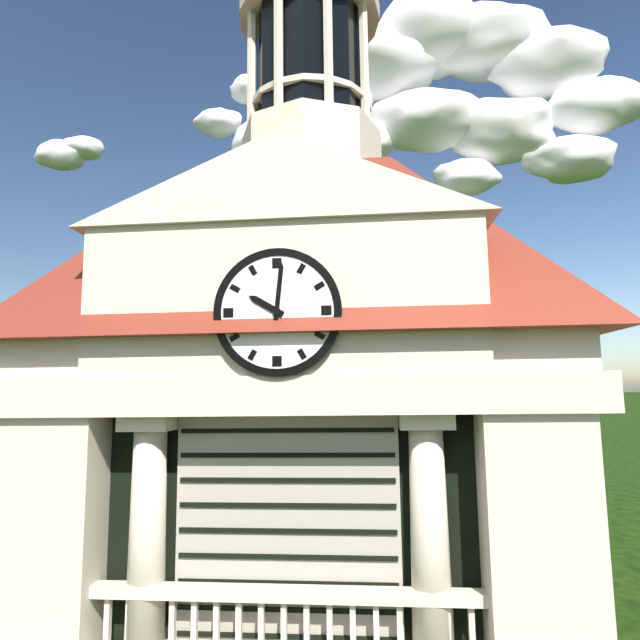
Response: 10:01
